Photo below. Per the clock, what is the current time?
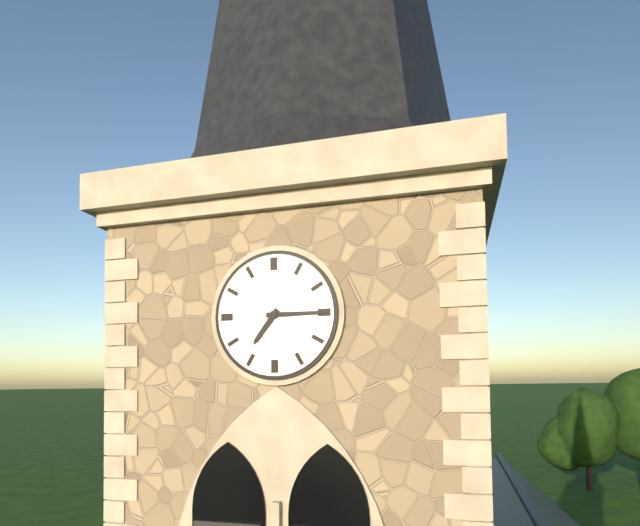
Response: 7:15
